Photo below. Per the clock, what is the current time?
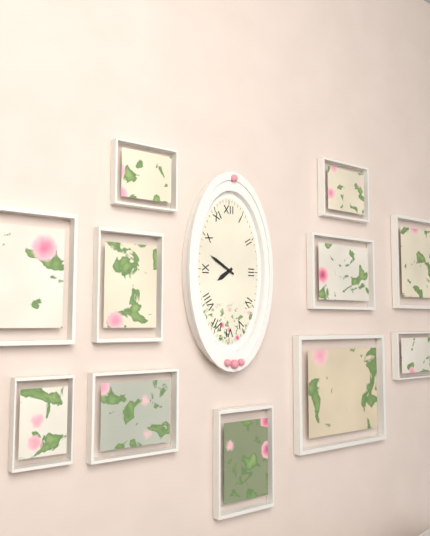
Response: 7:50
